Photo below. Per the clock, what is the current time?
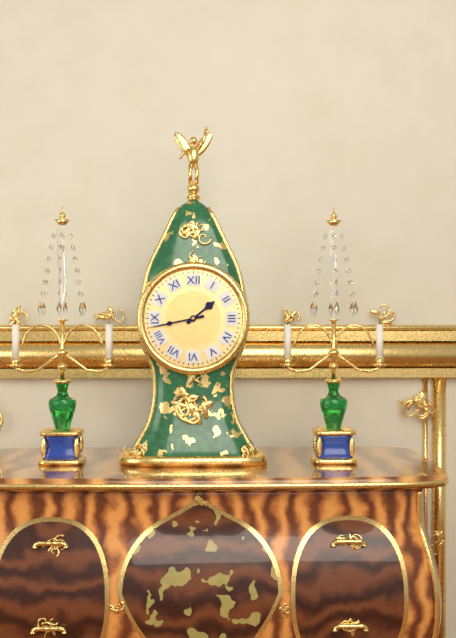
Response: 1:43
